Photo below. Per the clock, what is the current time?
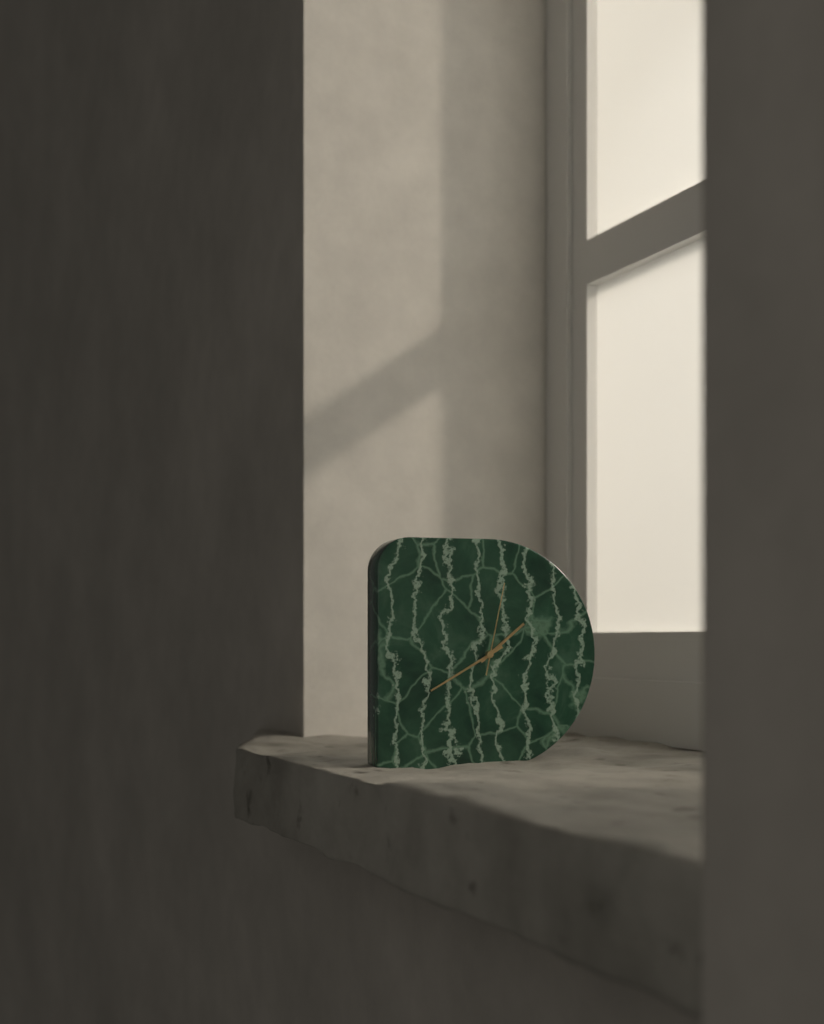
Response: 1:40:02
